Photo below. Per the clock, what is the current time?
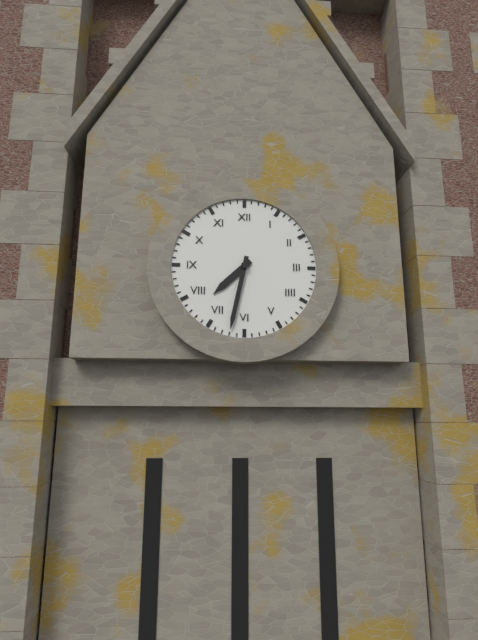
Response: 7:32
